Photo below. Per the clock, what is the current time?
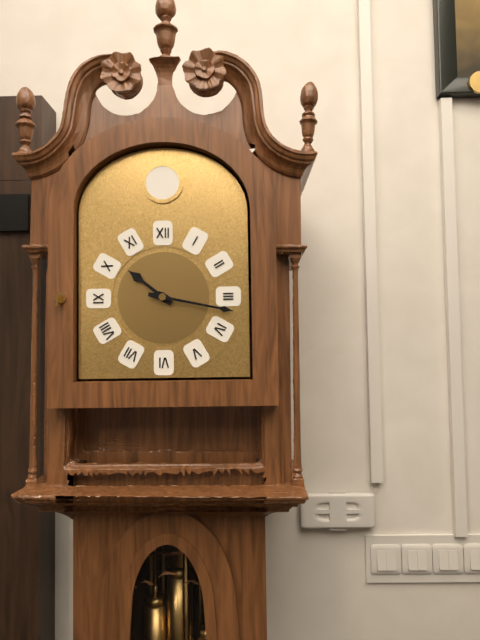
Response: 10:17
